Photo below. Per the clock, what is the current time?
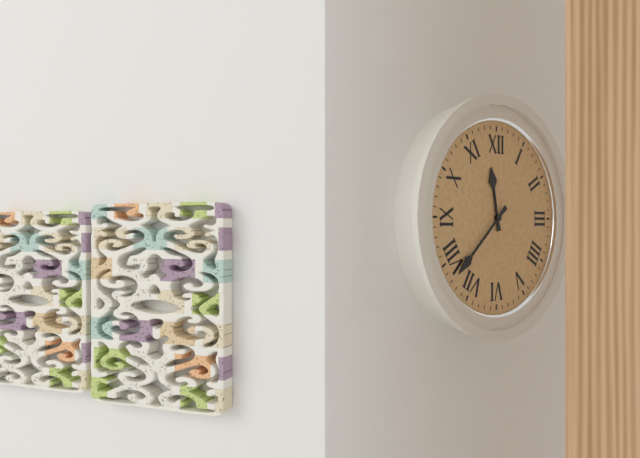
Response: 11:38
